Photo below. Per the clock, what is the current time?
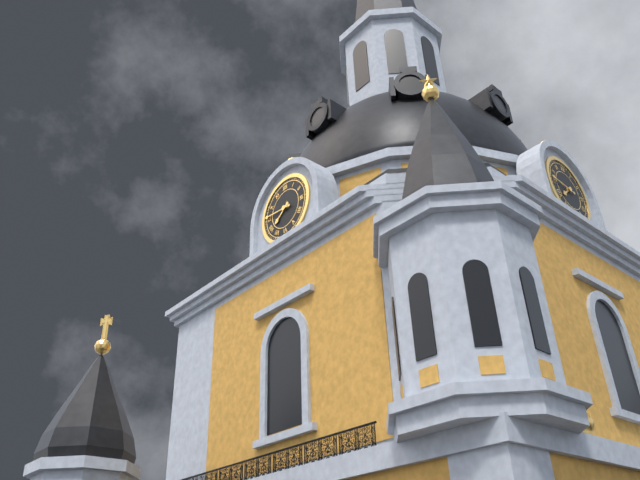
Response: 7:46
